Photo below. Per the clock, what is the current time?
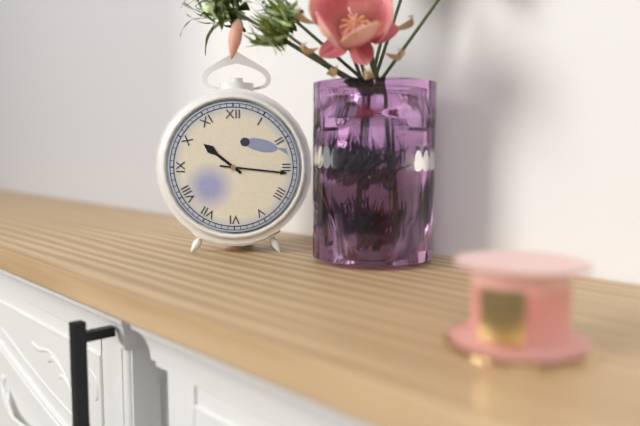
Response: 10:16
